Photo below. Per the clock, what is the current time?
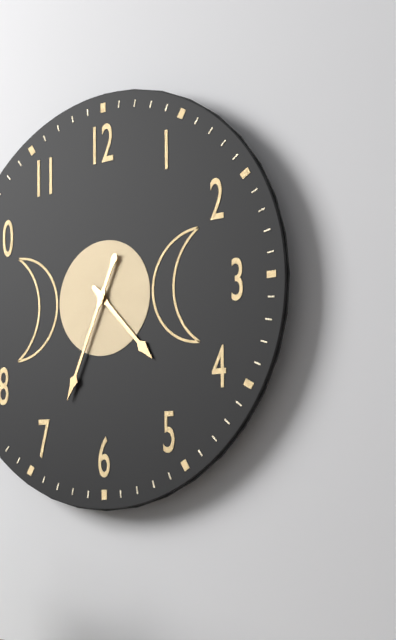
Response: 4:34
